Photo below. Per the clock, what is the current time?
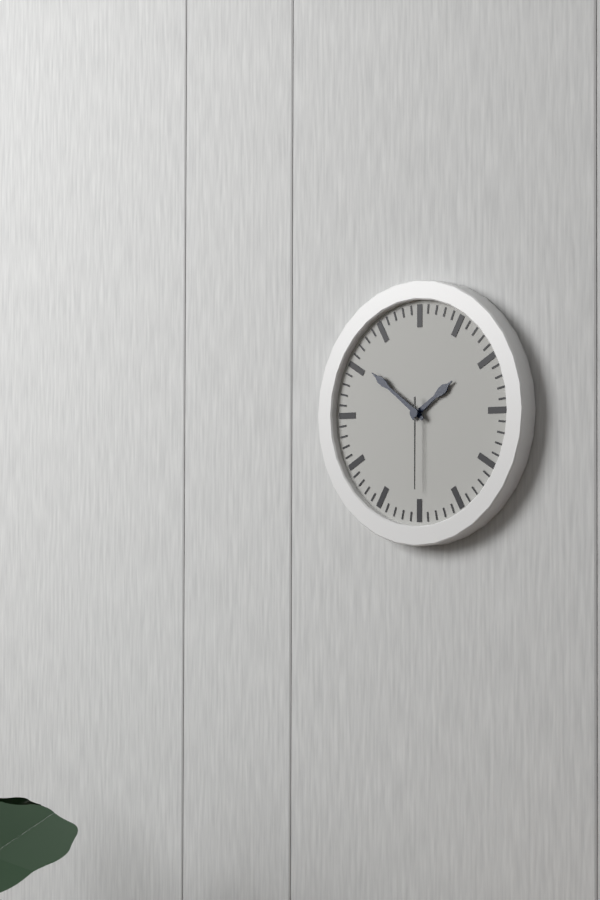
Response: 1:51:30
